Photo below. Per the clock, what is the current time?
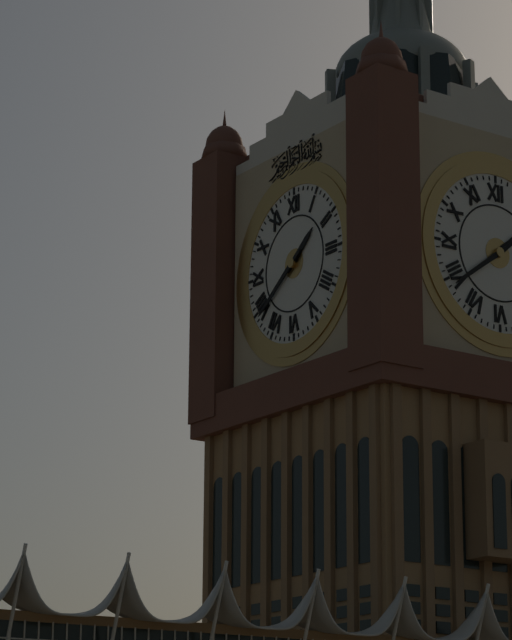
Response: 1:39
